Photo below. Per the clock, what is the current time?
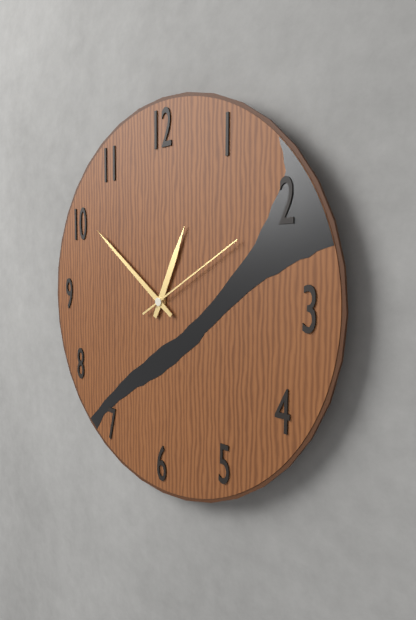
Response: 12:51:10
